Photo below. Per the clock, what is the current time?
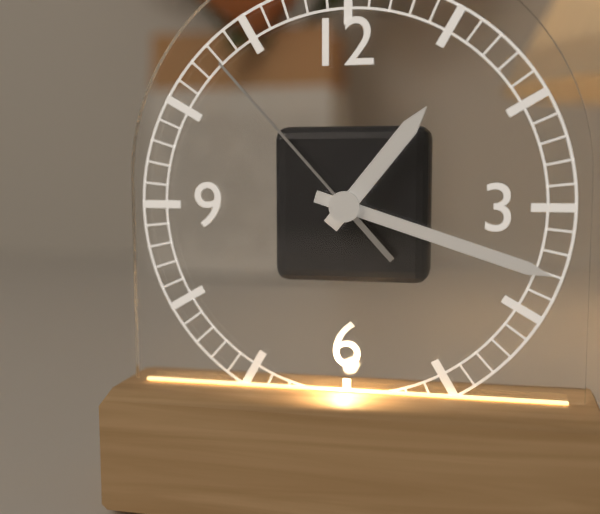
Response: 1:18:53
